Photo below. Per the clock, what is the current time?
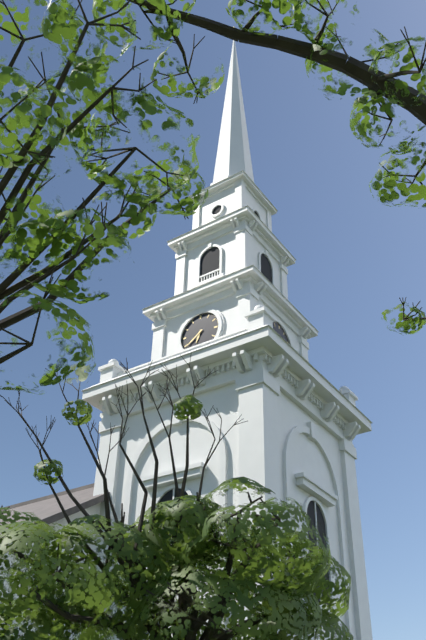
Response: 6:39
